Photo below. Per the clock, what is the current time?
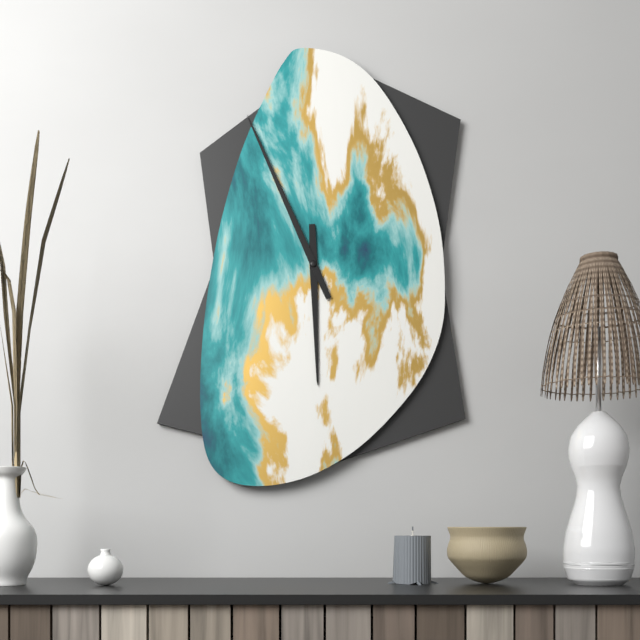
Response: 5:56
